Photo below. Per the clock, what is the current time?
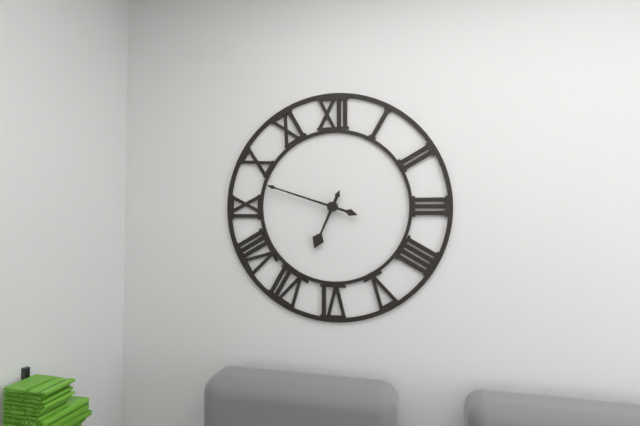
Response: 6:48
